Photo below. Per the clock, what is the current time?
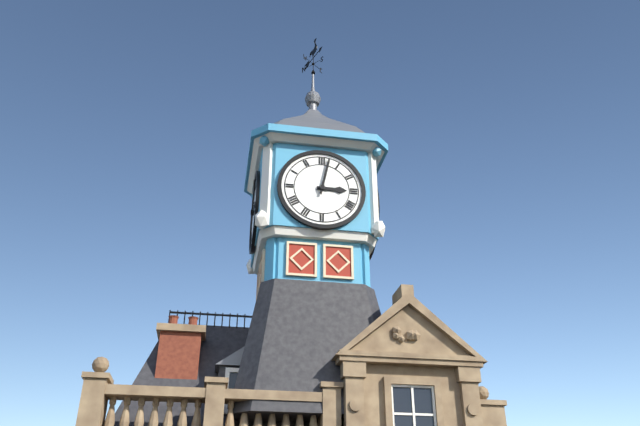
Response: 3:02
